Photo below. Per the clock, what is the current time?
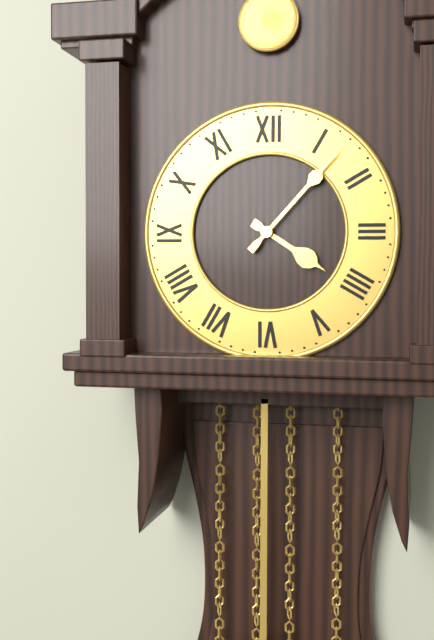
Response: 4:07
